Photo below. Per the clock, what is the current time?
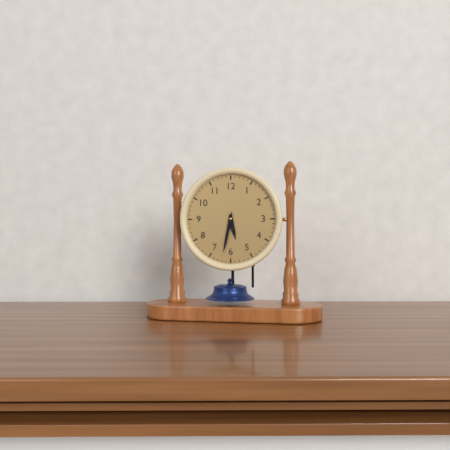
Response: 5:32
